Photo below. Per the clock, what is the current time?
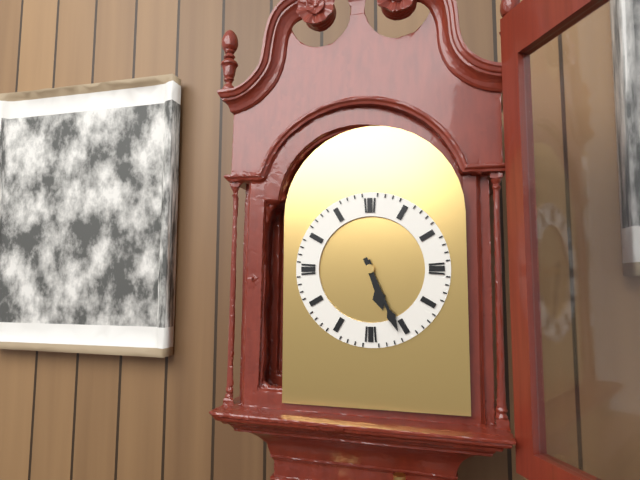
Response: 5:26
